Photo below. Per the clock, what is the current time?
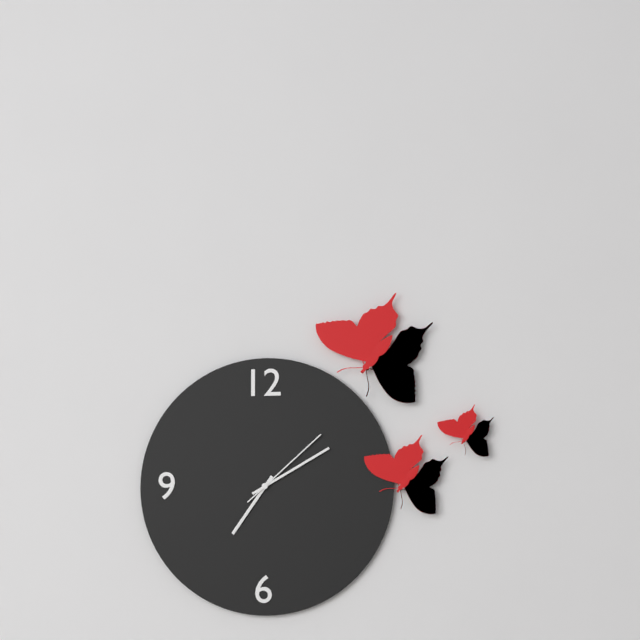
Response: 7:10:08
